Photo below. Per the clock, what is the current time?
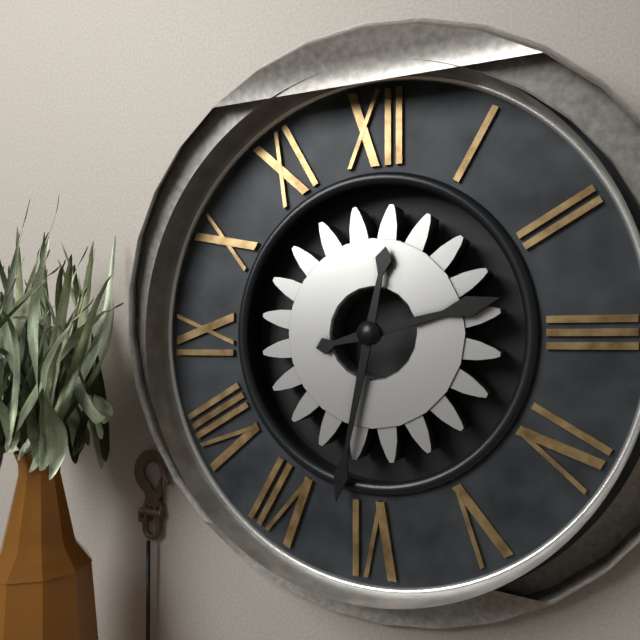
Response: 2:32
